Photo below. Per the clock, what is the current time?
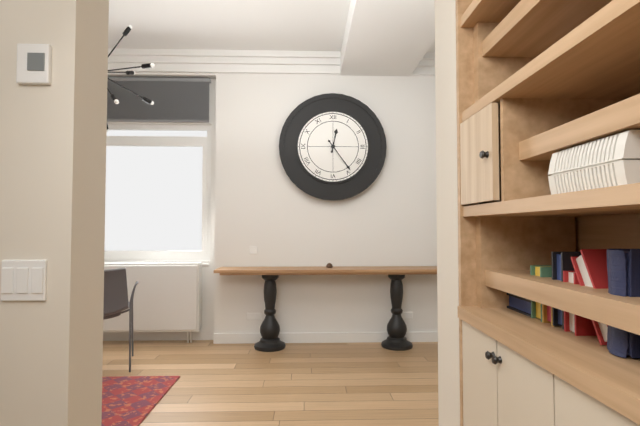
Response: 12:24
